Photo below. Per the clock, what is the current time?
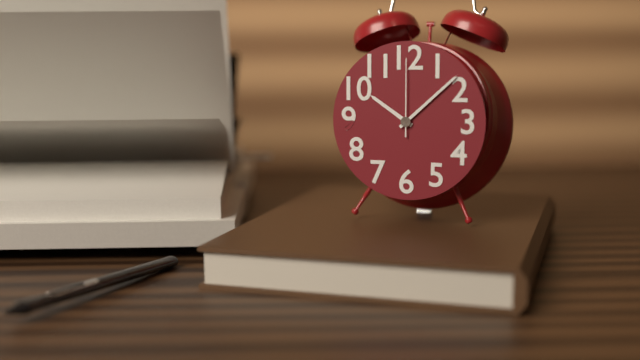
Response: 10:08:00
